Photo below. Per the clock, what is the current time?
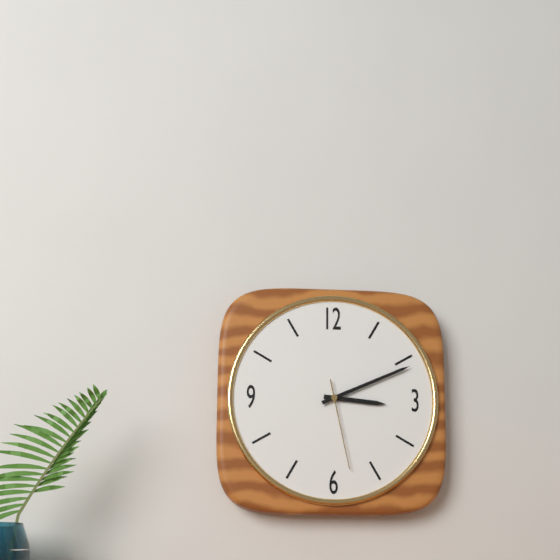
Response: 3:11:28
